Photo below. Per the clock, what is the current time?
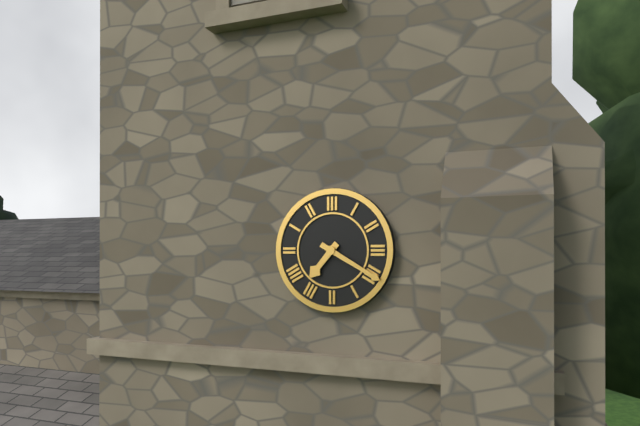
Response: 7:20
